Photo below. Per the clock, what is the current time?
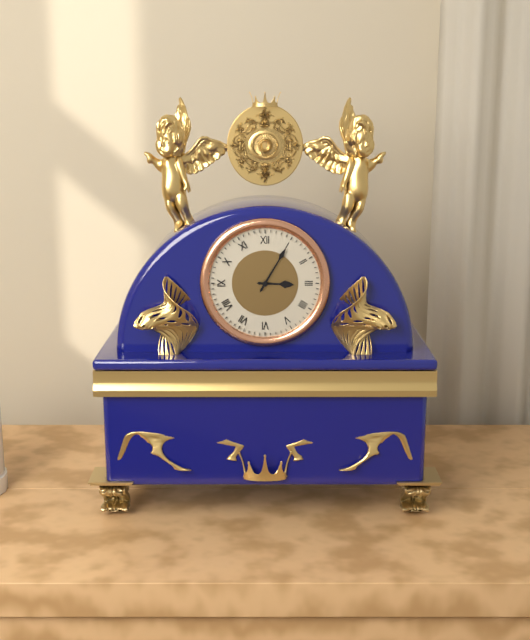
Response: 3:05
